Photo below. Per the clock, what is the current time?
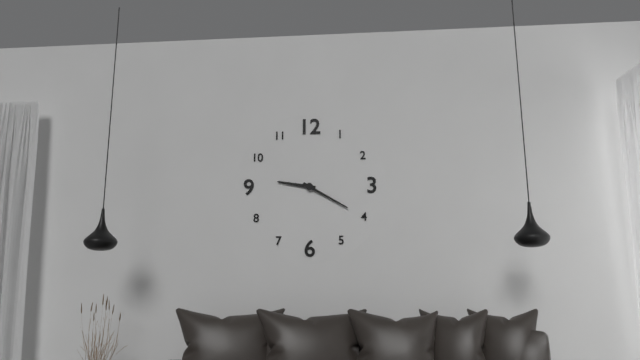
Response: 9:20
